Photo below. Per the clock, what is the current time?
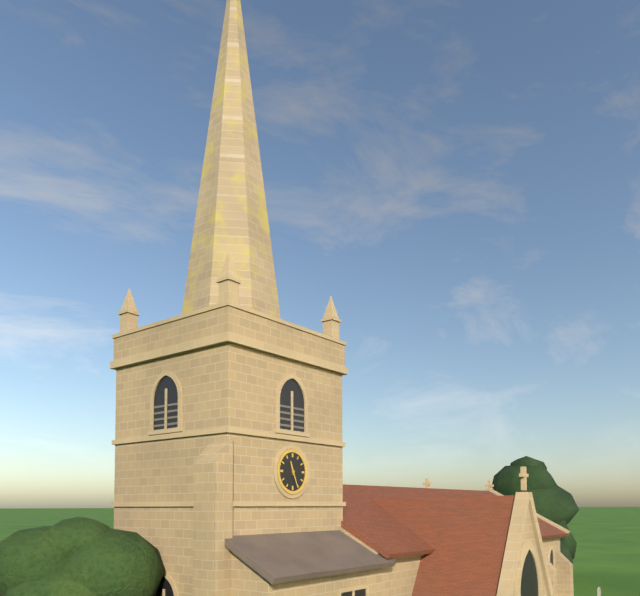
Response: 11:26
